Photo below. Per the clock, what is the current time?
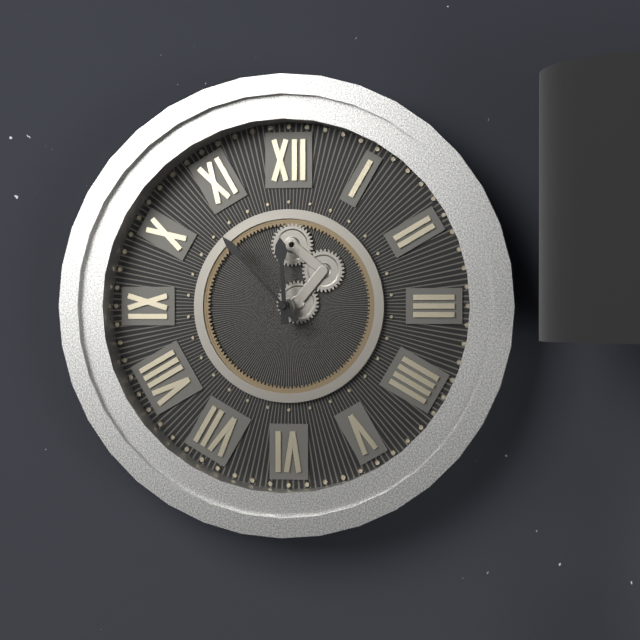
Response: 11:53
